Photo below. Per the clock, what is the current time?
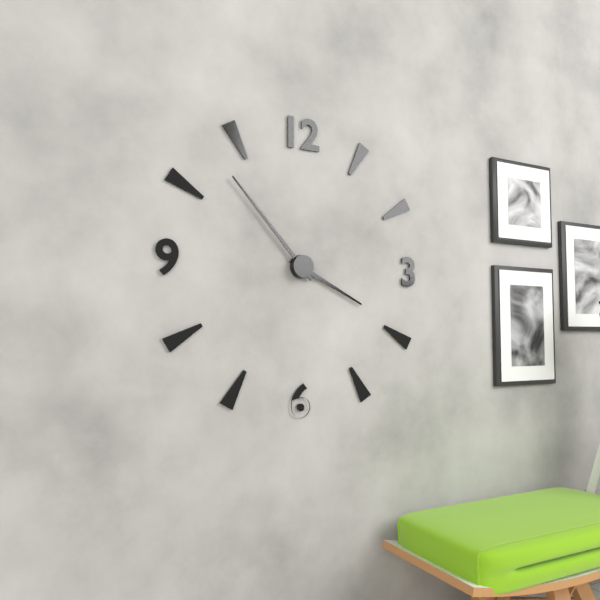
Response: 3:53
